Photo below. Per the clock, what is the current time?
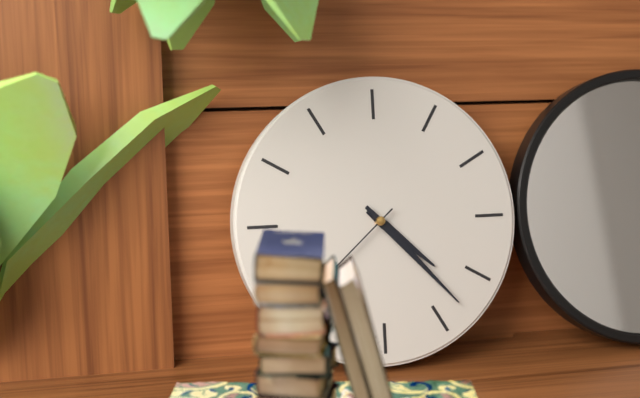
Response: 4:23
